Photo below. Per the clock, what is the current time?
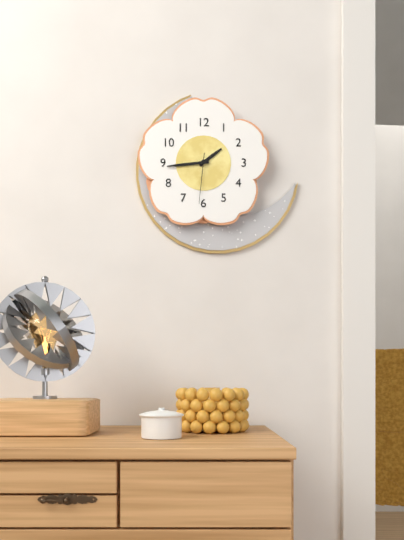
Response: 1:44:31
